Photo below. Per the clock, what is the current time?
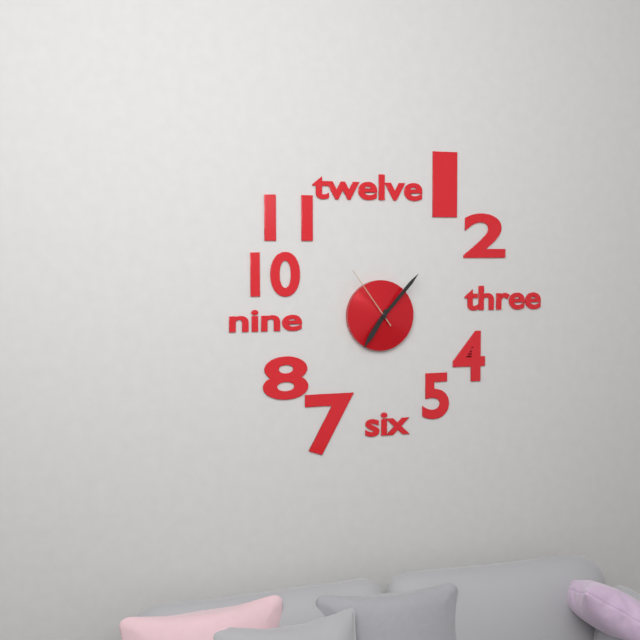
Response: 7:07:54
